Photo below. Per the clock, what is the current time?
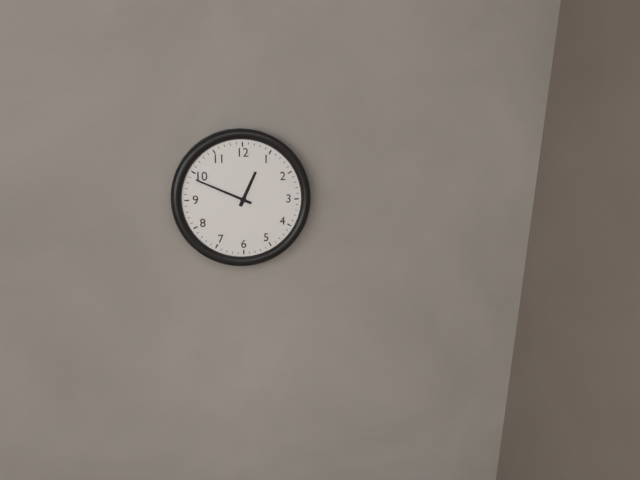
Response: 12:49
